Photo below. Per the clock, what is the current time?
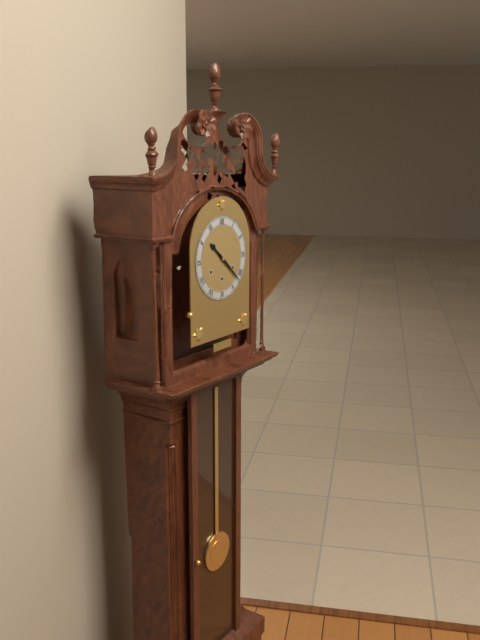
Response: 10:22
